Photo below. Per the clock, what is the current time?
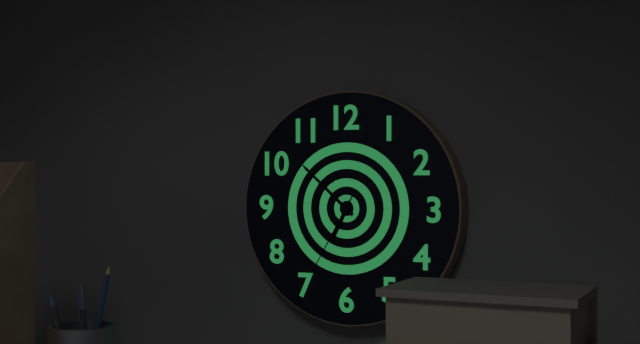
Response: 6:52:35
